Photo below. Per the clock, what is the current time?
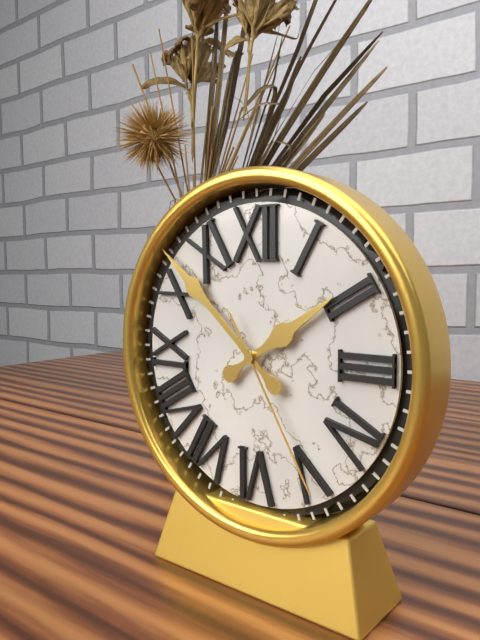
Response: 1:52:25
